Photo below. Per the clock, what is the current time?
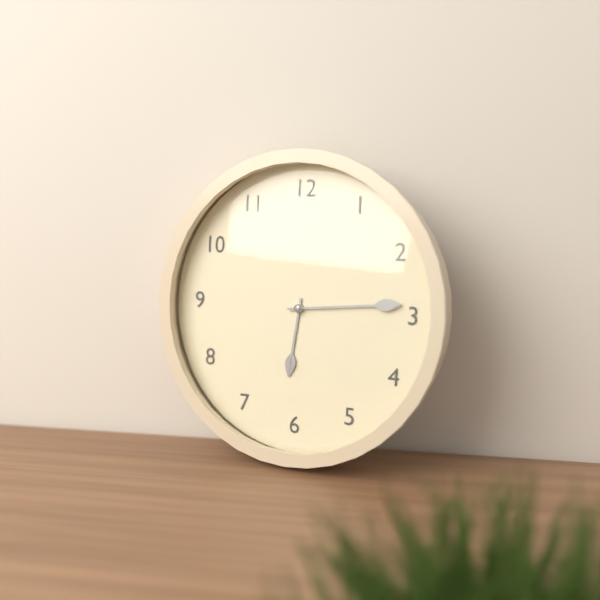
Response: 6:14
